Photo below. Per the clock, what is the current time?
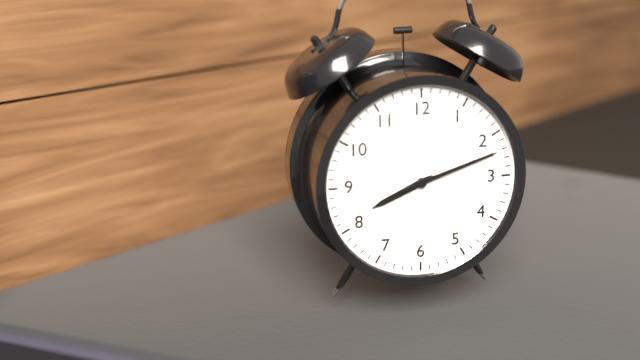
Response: 8:12
